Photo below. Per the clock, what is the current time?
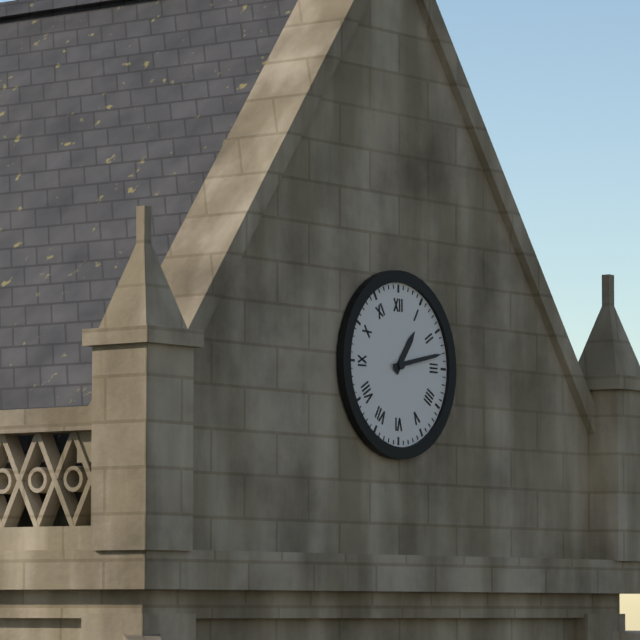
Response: 1:13
